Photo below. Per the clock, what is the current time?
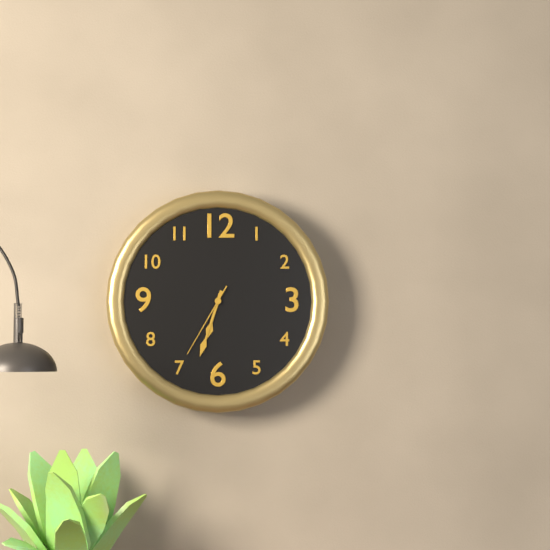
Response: 6:33:35
